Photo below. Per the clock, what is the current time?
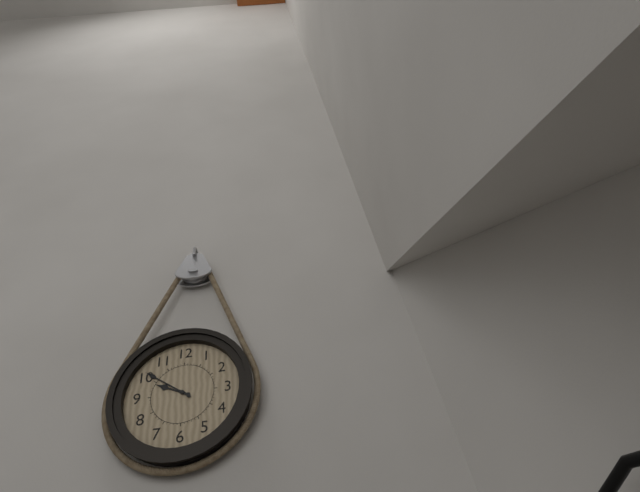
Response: 9:51
